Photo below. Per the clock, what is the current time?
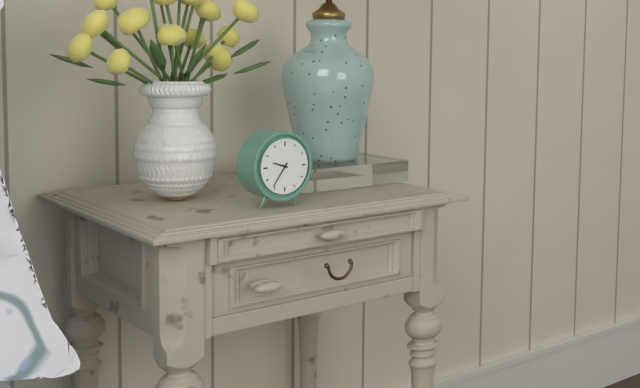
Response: 9:36
